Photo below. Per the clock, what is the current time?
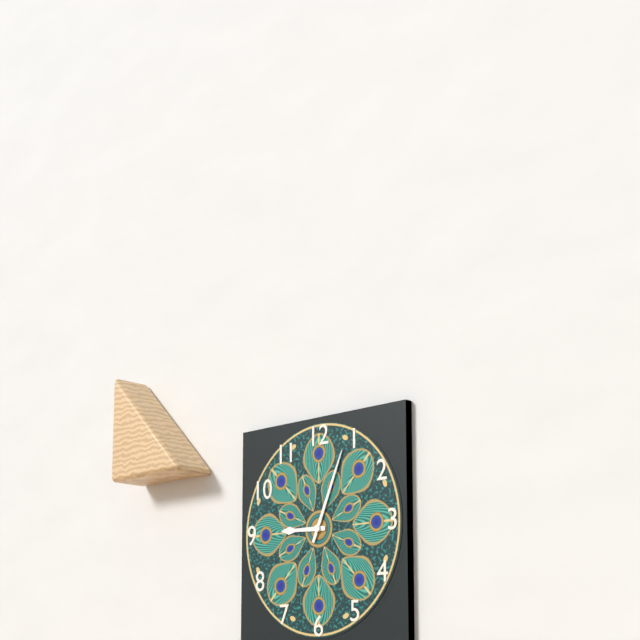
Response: 9:04
